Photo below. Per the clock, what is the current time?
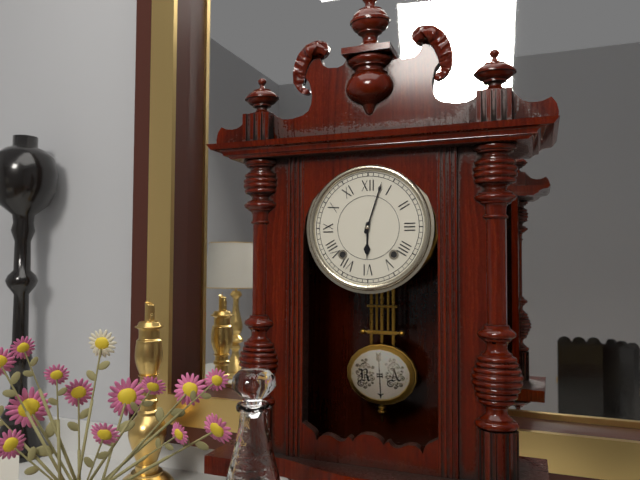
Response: 6:03
